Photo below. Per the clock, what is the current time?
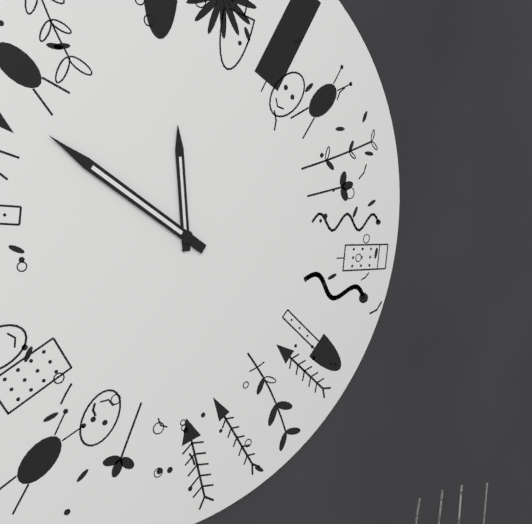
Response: 11:51
